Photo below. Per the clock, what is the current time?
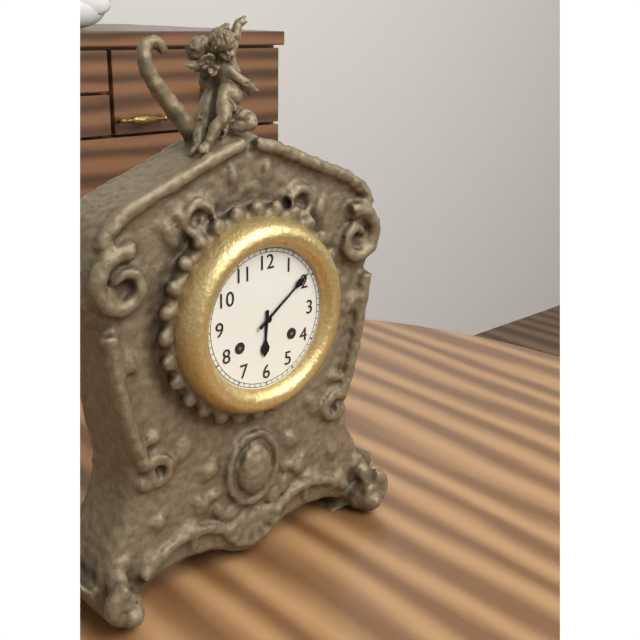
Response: 6:09
